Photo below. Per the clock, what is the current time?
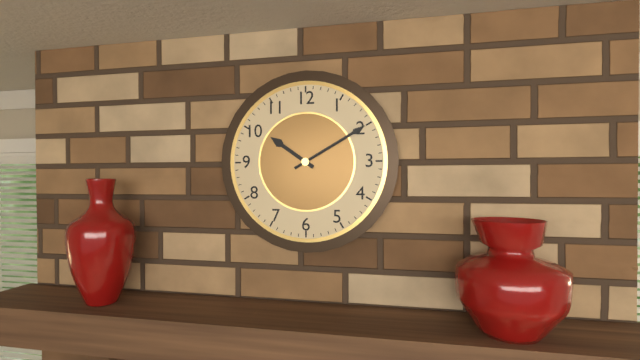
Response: 10:10
